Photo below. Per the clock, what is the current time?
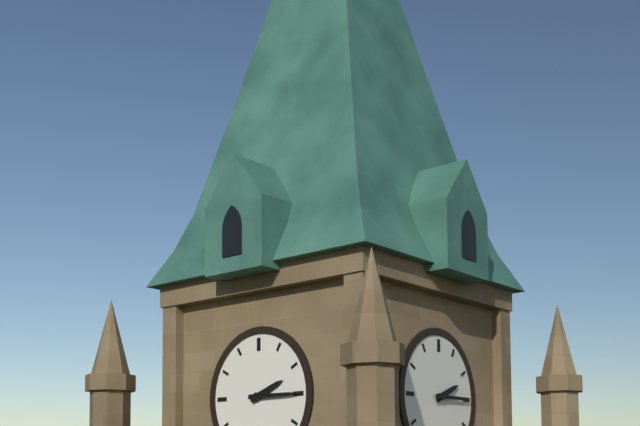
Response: 2:15
